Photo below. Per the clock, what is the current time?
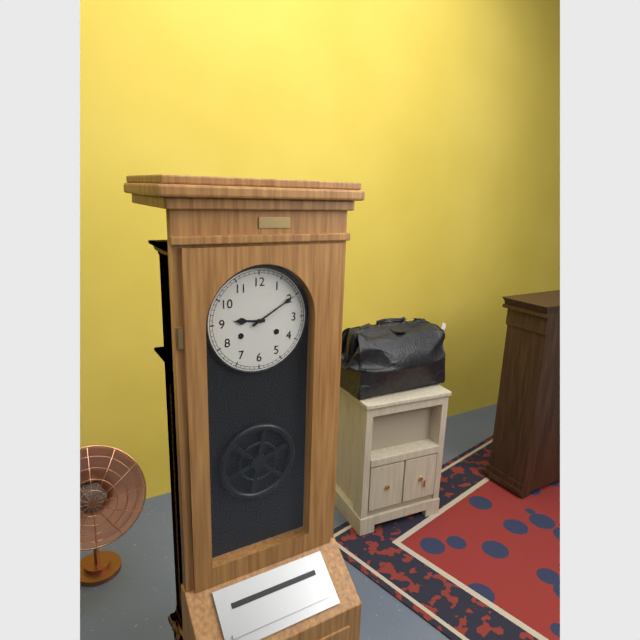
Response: 9:10
